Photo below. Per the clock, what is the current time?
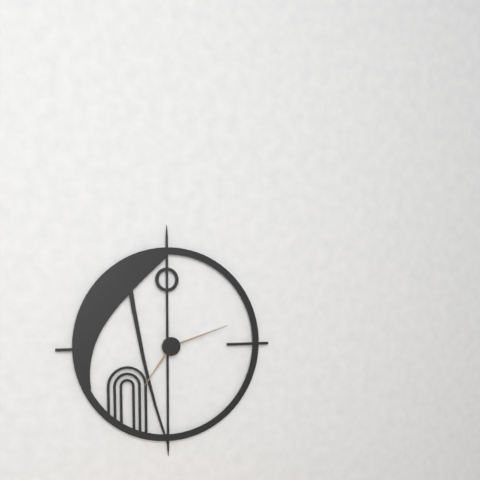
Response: 7:12
